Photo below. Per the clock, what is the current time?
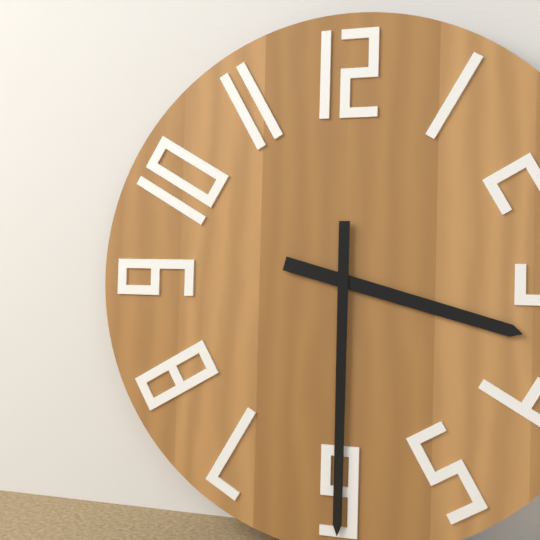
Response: 3:30
